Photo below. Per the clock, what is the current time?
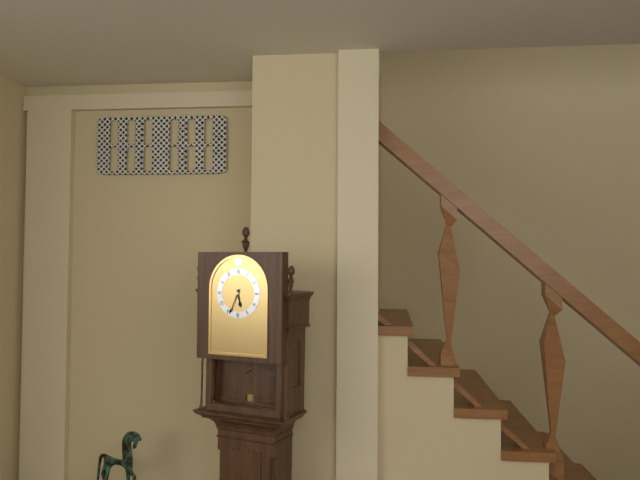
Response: 5:34
